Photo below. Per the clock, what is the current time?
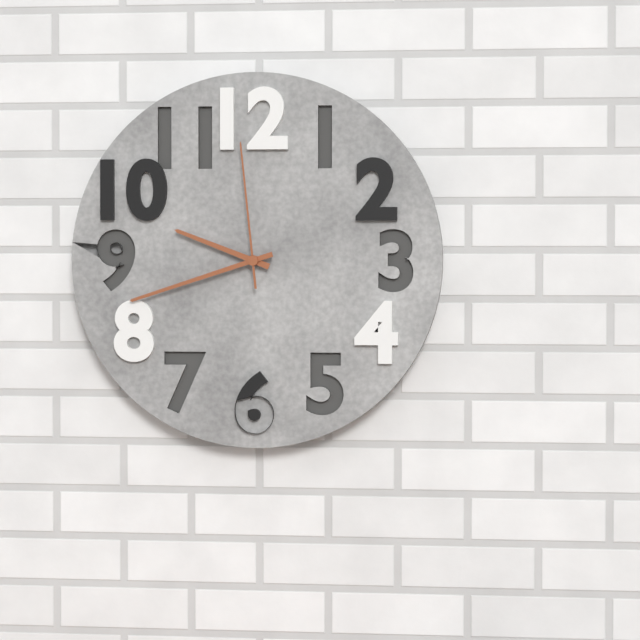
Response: 9:42:59
